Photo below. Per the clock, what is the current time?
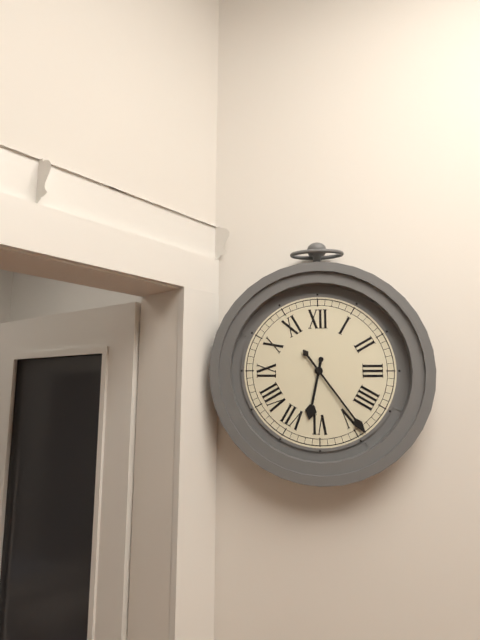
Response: 6:24
